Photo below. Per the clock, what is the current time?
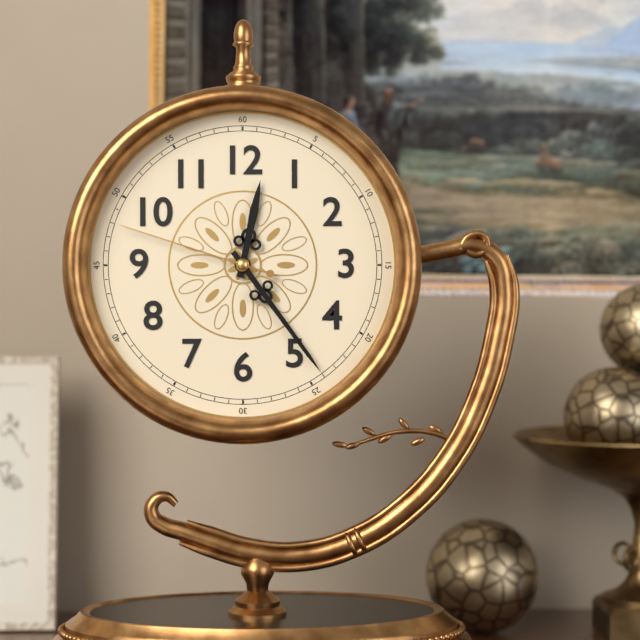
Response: 12:24:48
